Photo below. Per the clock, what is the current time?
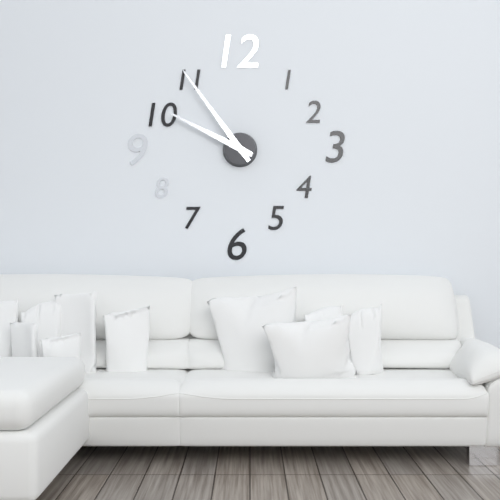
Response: 9:54
